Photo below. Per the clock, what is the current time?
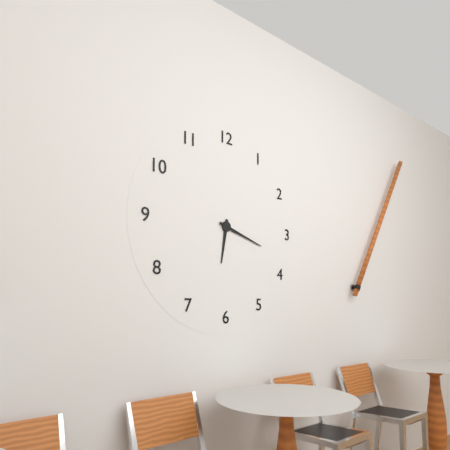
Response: 6:18
